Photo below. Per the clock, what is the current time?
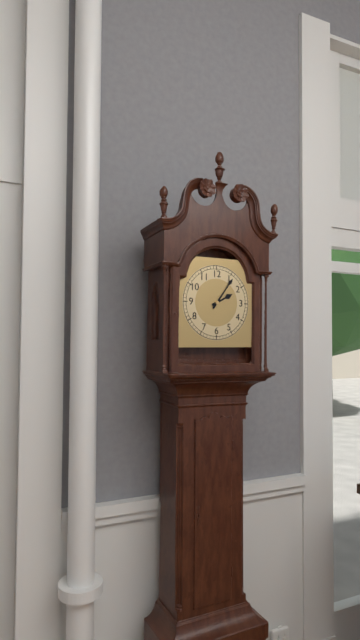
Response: 2:06
